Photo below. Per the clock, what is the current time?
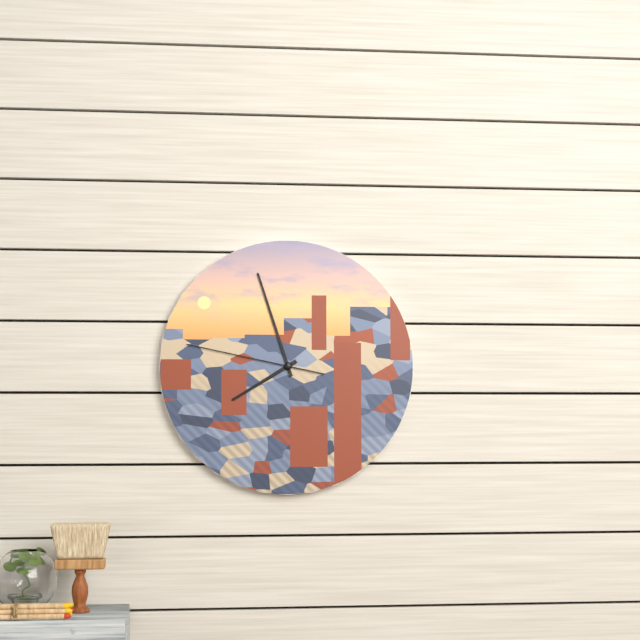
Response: 7:57:47
